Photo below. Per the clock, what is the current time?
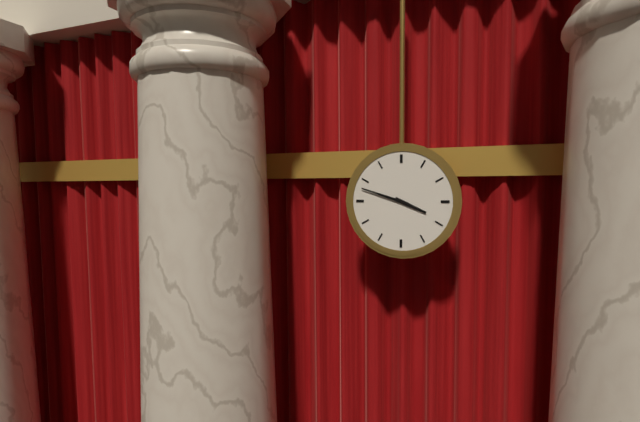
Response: 3:48
